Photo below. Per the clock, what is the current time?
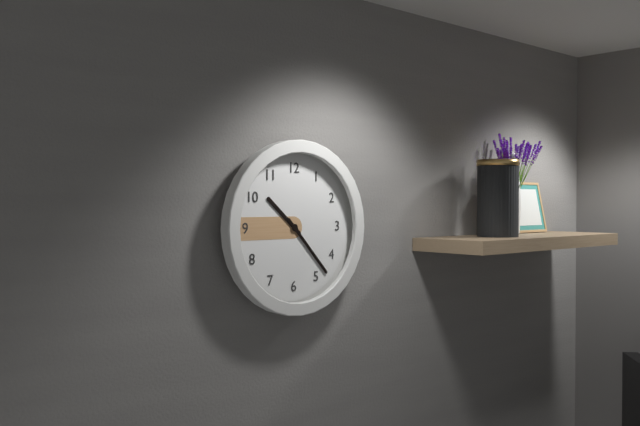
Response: 10:23
